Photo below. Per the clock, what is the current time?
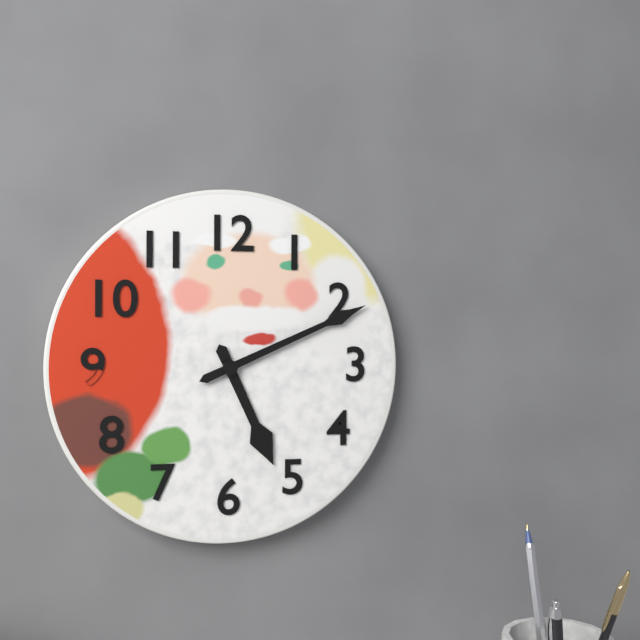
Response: 5:11
